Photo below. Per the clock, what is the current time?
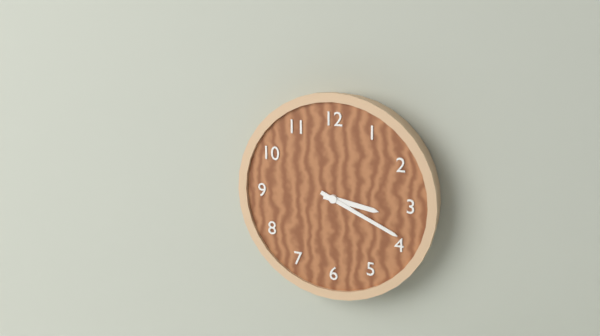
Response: 3:19
